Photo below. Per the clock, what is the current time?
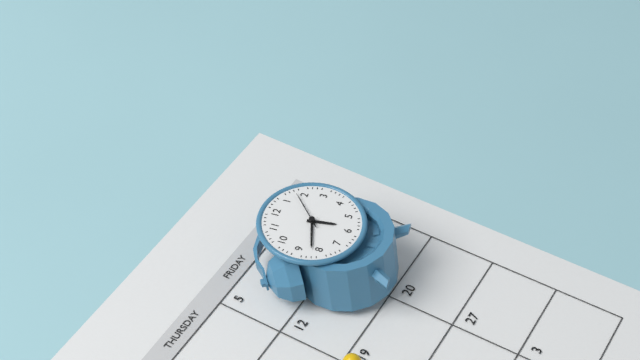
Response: 5:42
